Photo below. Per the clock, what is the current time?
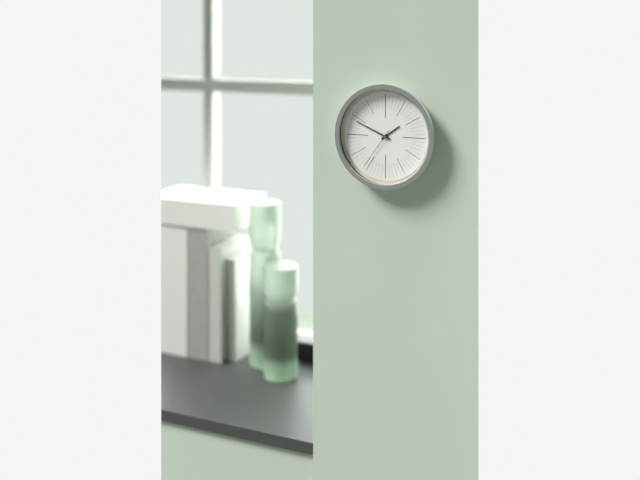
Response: 1:49
